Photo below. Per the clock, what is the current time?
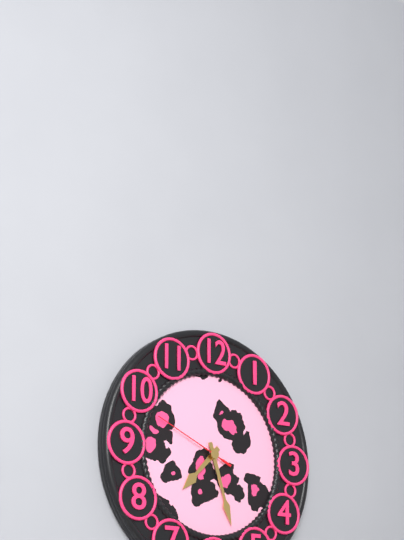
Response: 7:27:49
